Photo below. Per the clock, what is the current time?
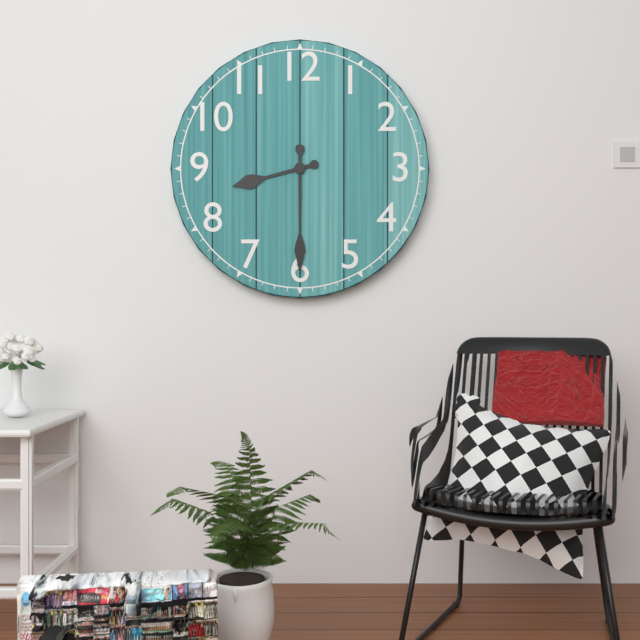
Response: 8:30
